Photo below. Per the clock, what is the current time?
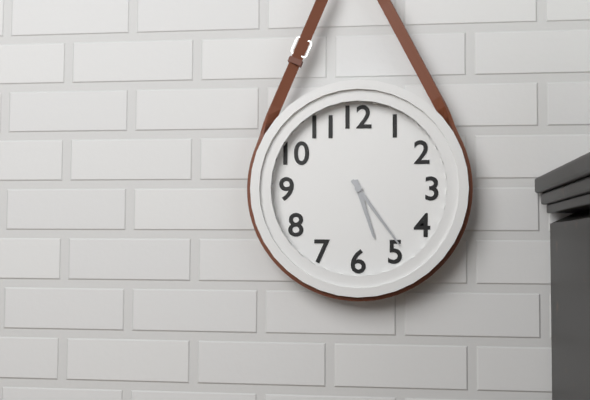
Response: 5:24
